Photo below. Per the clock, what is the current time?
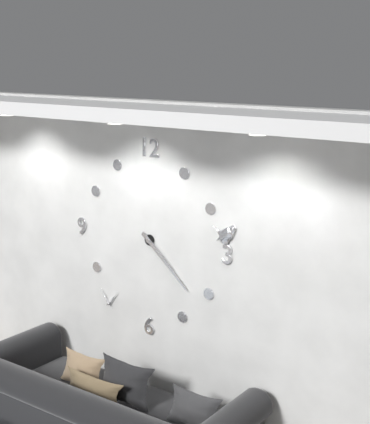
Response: 4:22
